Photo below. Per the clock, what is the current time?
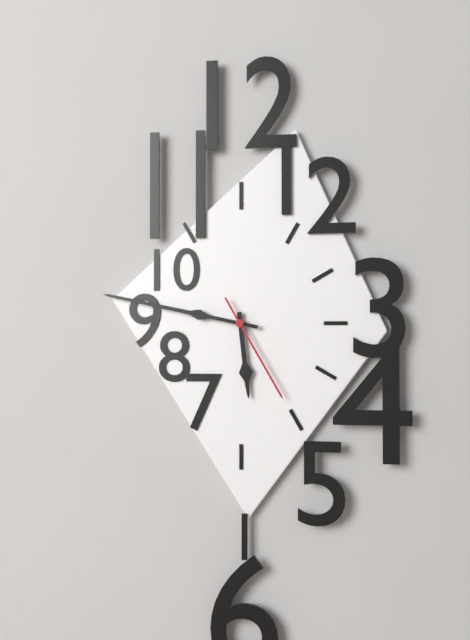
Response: 5:47:25
